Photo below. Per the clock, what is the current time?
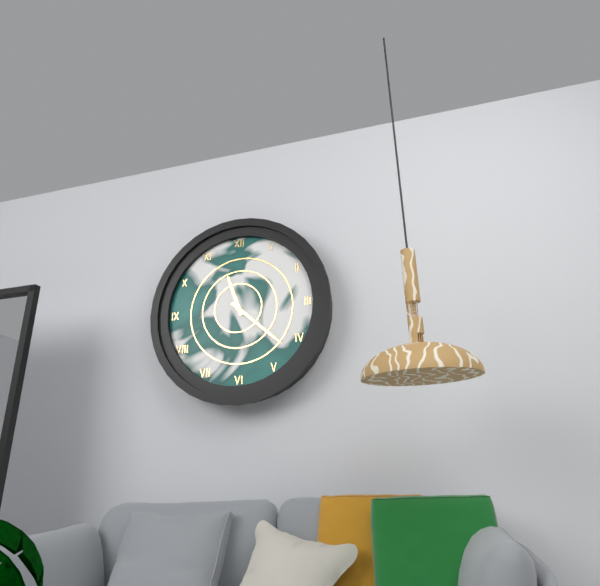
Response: 11:22
